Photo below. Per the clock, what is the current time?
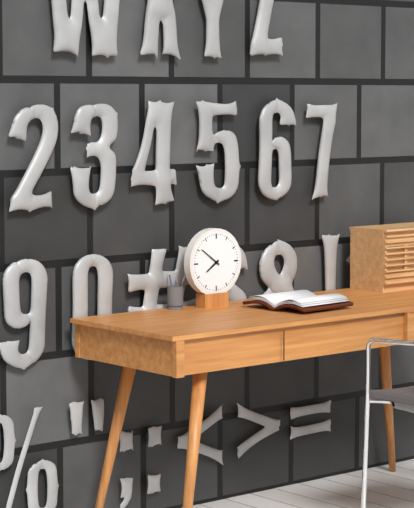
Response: 7:51
